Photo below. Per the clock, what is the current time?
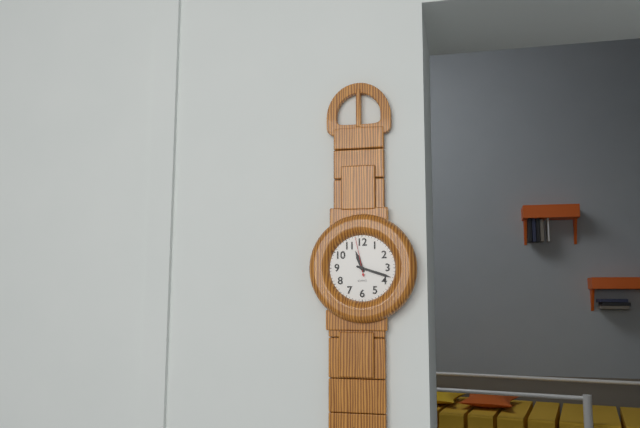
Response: 11:18
